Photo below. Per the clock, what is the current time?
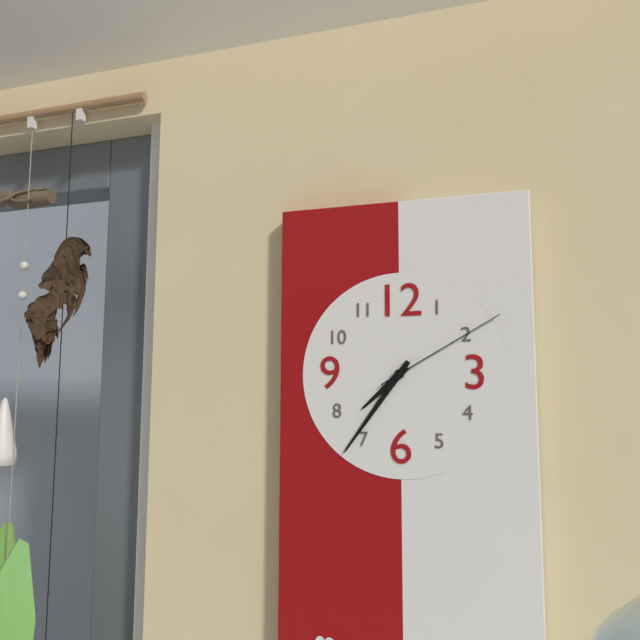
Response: 7:36:10
